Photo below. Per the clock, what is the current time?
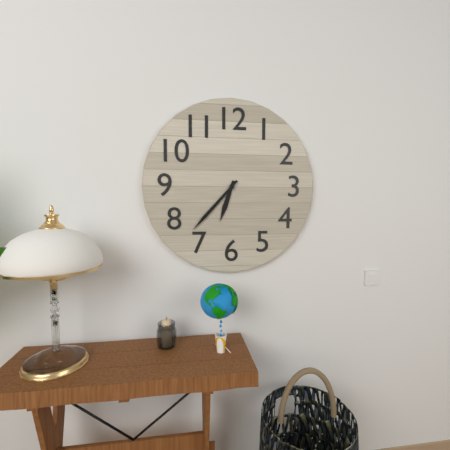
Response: 6:37
